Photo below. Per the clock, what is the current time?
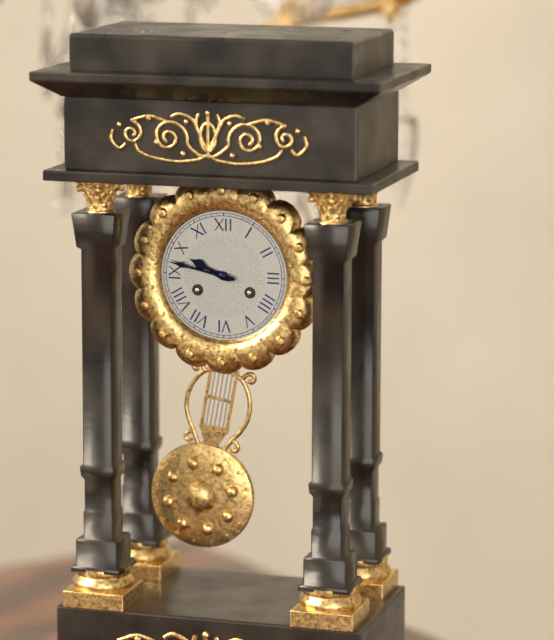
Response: 9:47
